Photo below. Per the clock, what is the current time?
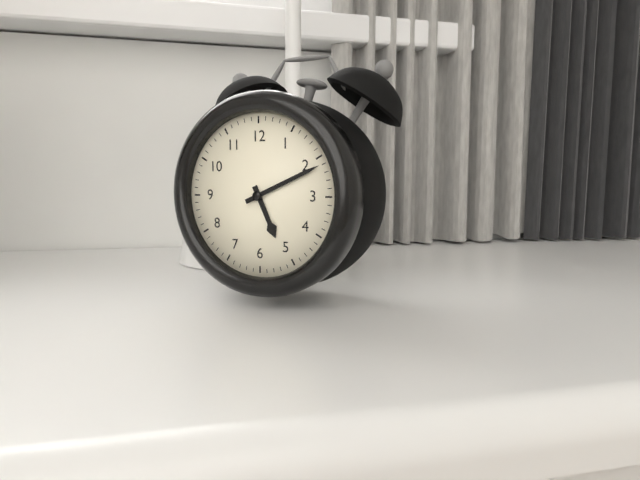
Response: 5:11
